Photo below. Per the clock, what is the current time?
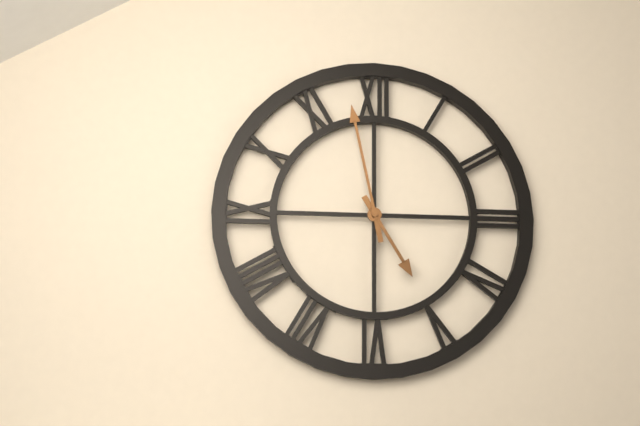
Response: 4:58
